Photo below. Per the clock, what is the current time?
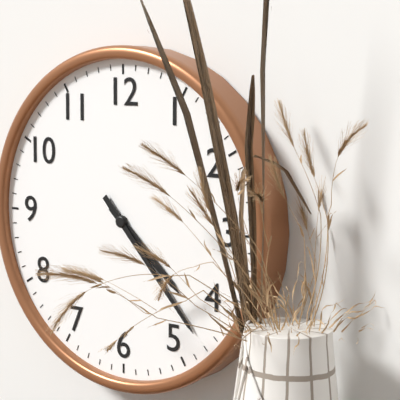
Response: 4:23
